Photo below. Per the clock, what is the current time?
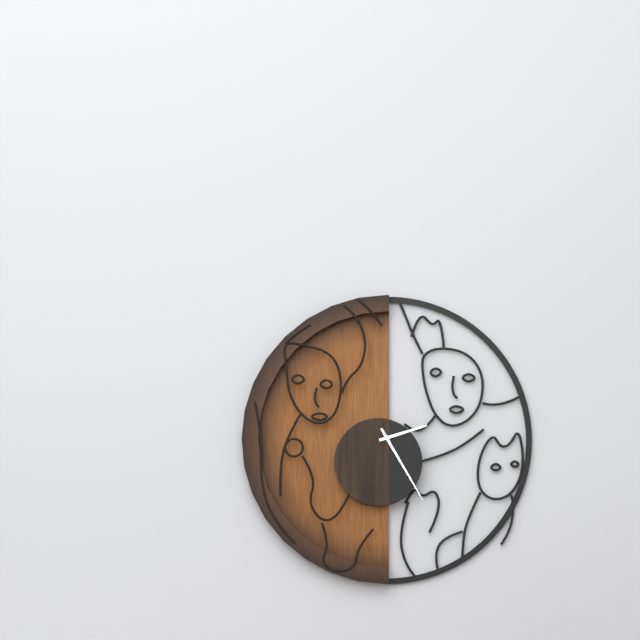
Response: 2:25
